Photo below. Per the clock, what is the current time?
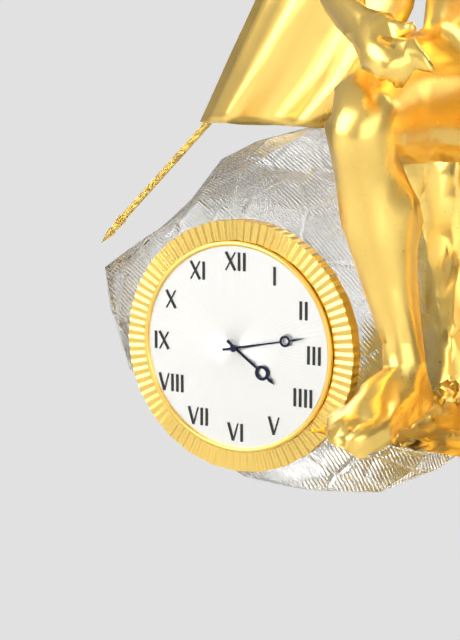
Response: 4:13
